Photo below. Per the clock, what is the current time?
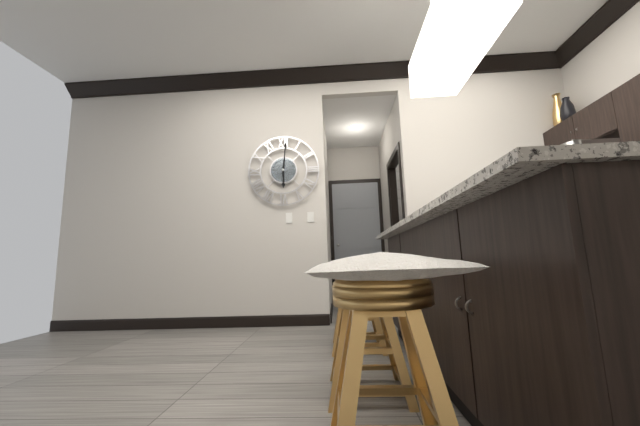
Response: 6:01
